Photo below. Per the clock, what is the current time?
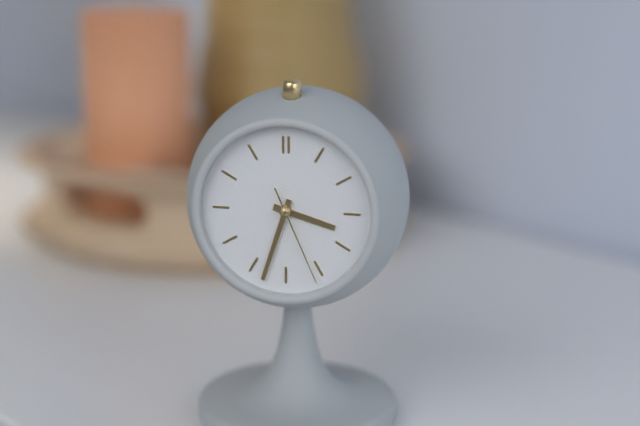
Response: 3:33:26
